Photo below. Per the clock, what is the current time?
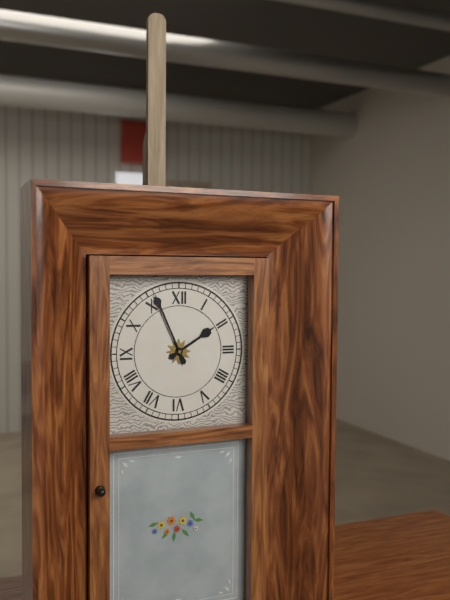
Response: 1:56
